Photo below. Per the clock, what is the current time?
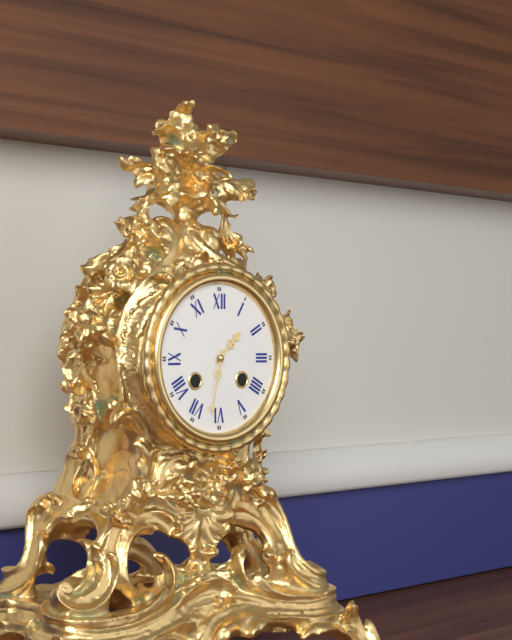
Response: 1:32
